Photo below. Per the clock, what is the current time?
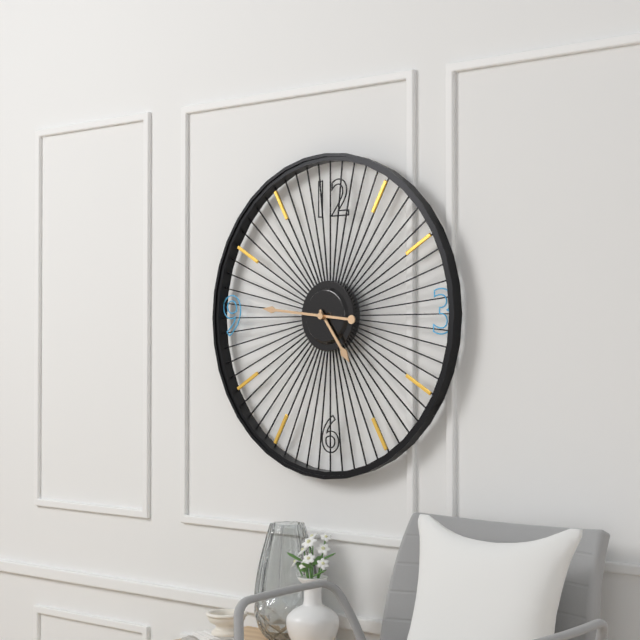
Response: 4:46
